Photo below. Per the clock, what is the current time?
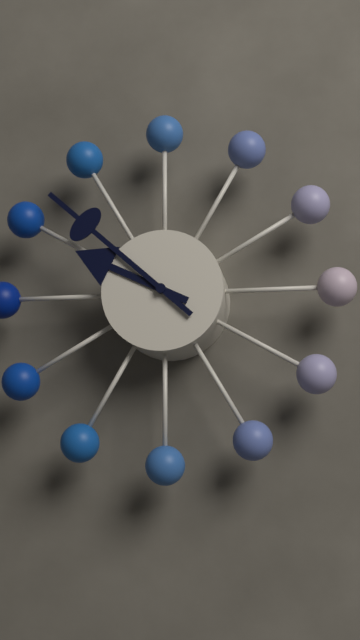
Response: 9:52
